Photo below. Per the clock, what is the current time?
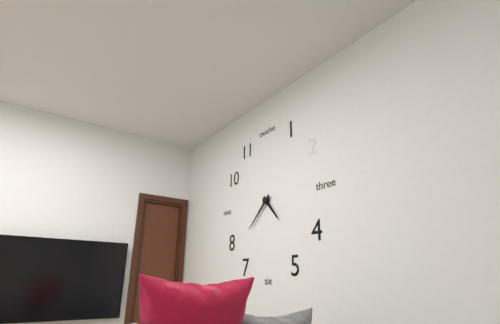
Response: 4:38
